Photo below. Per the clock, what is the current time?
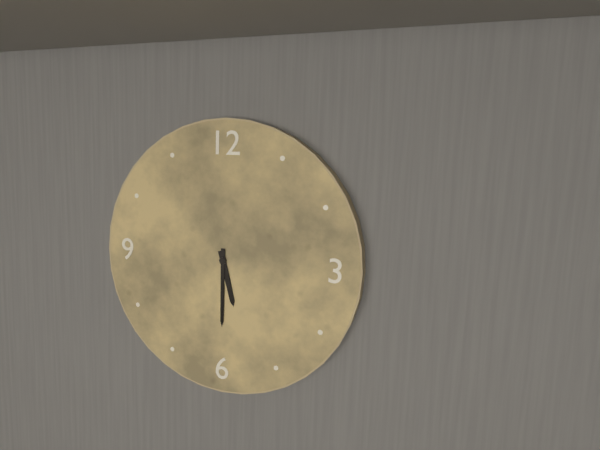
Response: 5:30
